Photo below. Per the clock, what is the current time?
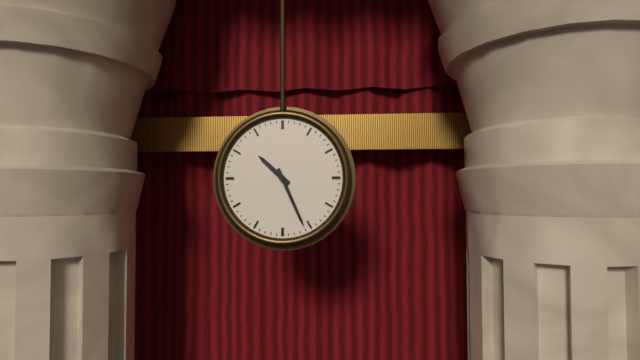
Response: 10:26
